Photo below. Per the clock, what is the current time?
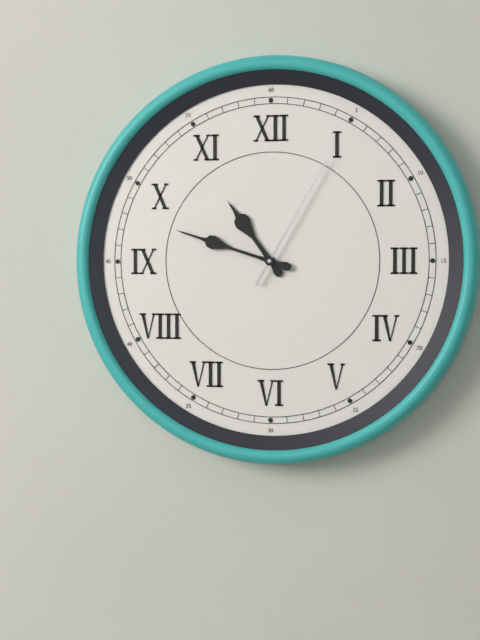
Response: 10:48:05
